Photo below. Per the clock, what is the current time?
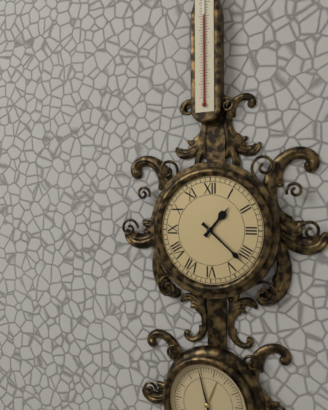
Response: 1:22
